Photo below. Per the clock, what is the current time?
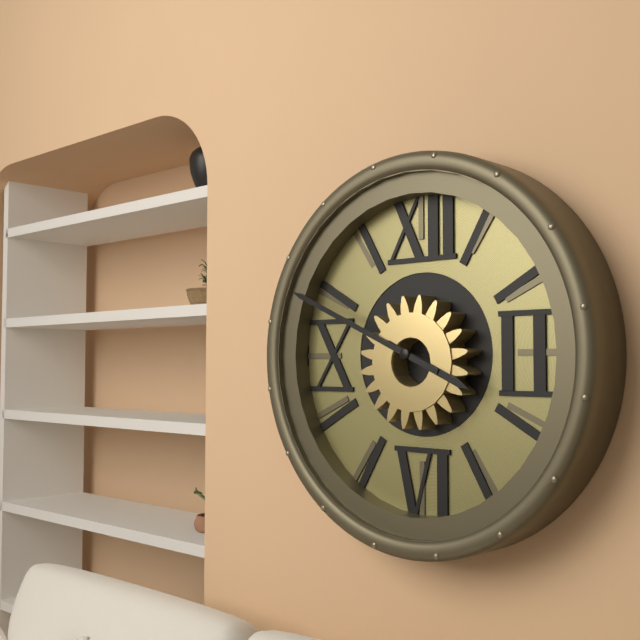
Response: 3:49
